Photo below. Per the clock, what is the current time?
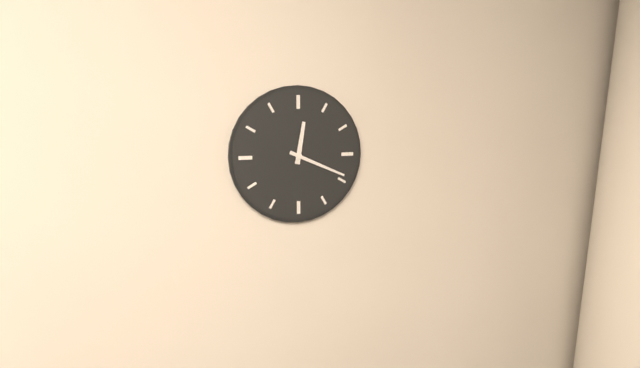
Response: 12:19
